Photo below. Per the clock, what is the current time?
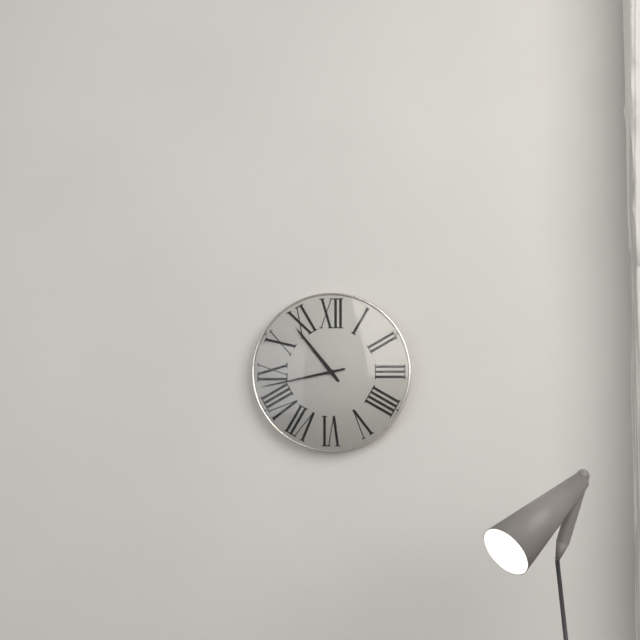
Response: 10:43
